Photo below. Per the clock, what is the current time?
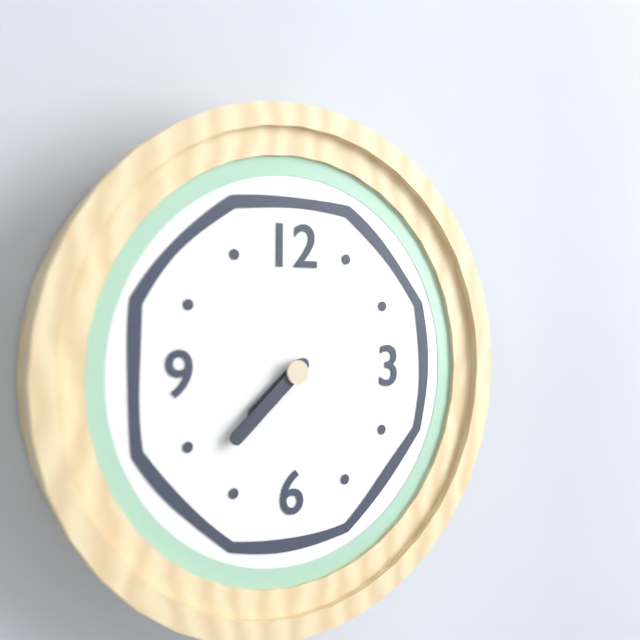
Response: 7:38
